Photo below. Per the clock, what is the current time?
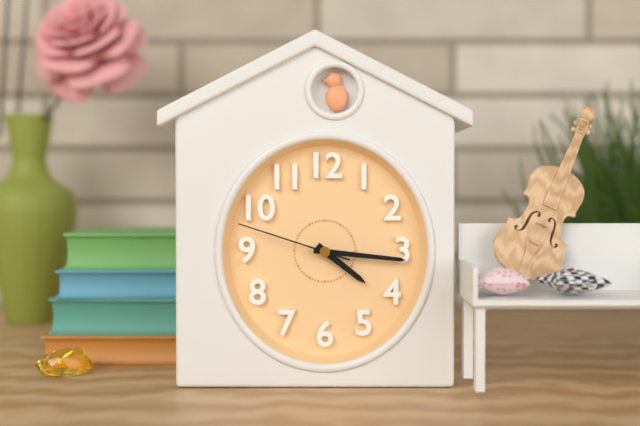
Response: 4:16:48
